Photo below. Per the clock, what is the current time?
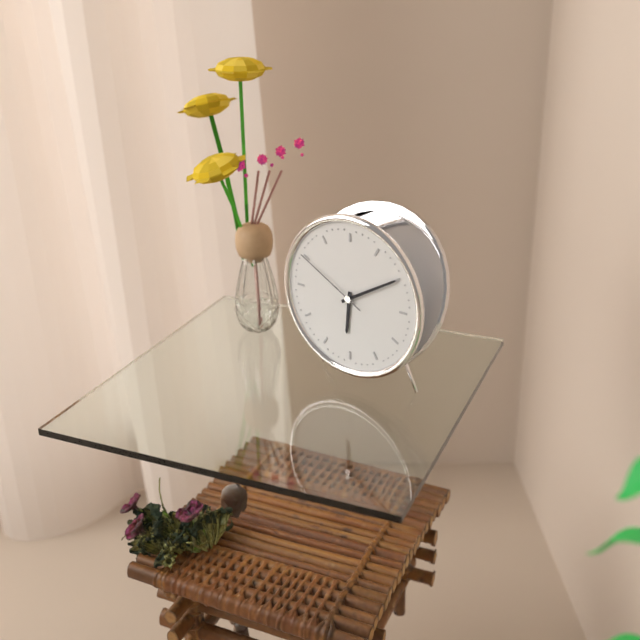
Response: 6:10:50
